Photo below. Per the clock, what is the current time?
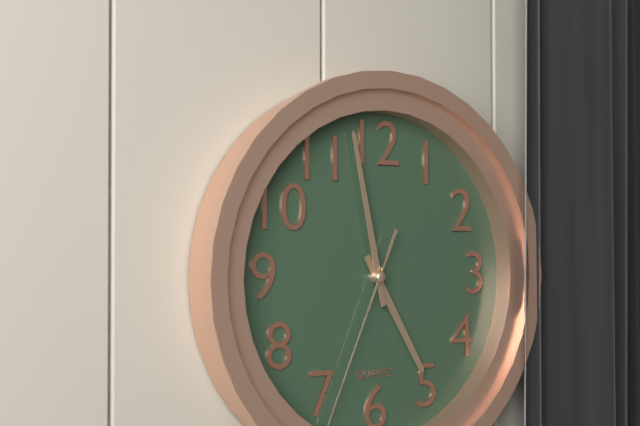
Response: 4:58
